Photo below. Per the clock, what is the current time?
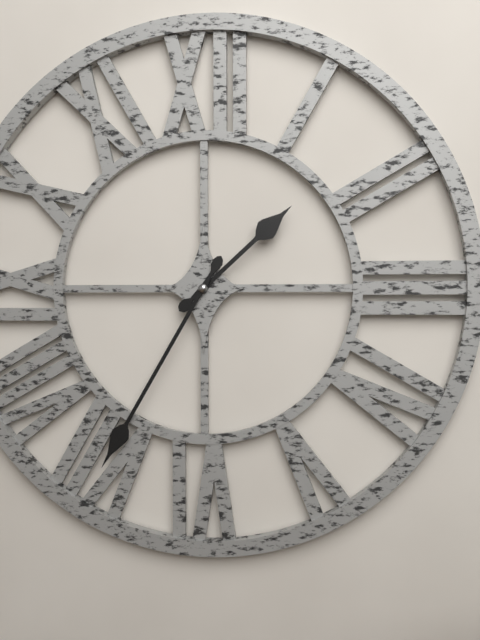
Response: 1:35
